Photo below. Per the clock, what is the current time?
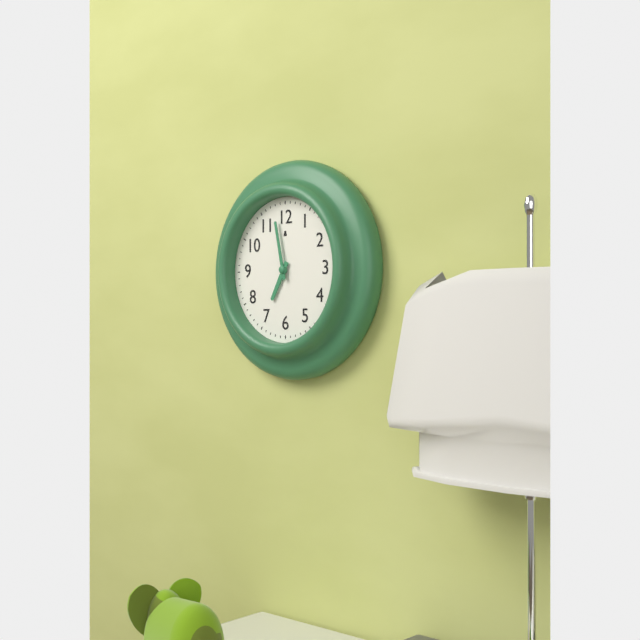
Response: 6:58
